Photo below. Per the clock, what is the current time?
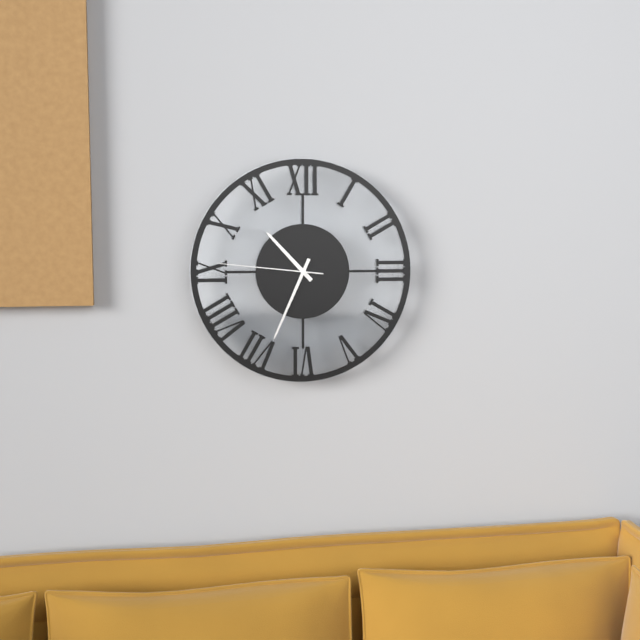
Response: 10:34:46
